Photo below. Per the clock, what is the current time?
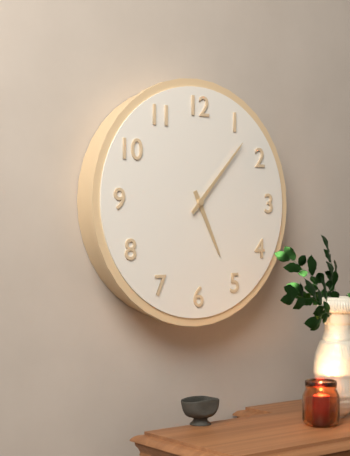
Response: 5:07
